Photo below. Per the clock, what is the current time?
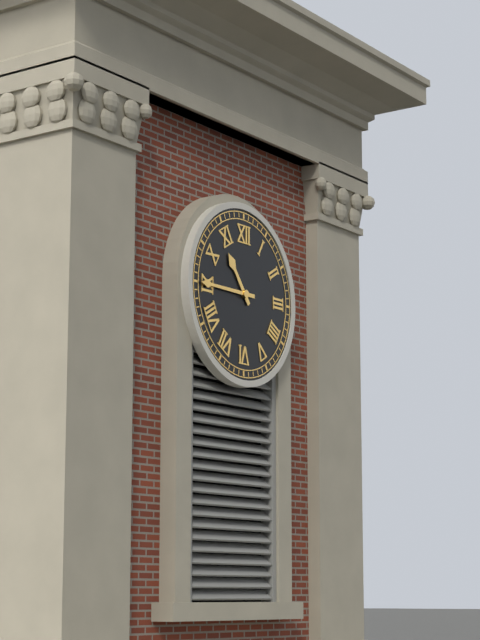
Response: 10:45
